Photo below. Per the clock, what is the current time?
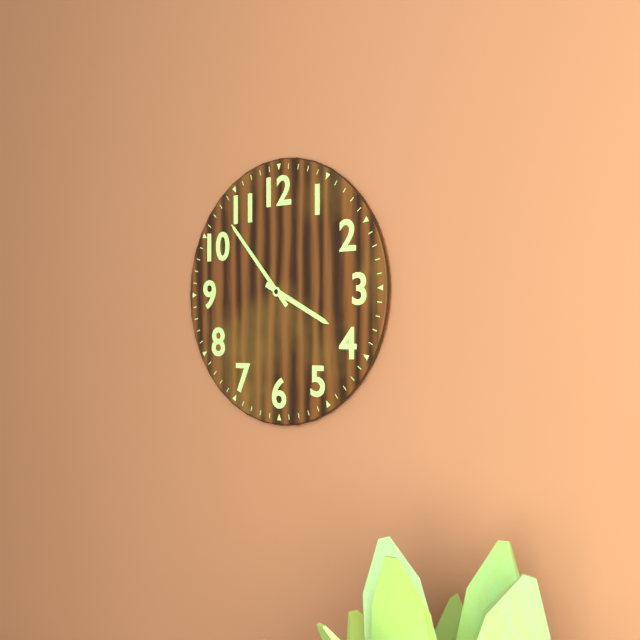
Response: 3:53
